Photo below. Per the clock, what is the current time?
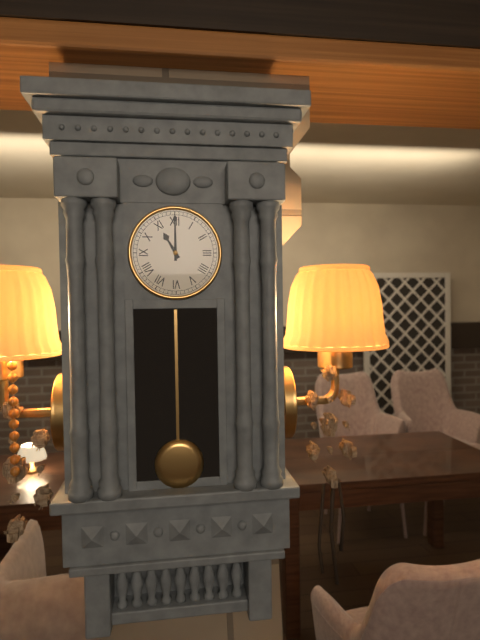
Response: 11:00
